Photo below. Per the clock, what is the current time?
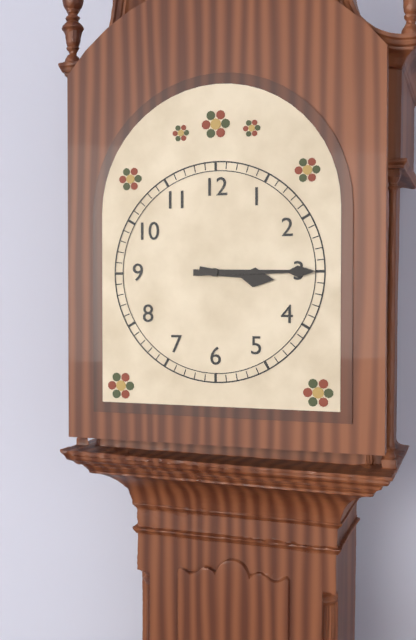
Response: 3:15
